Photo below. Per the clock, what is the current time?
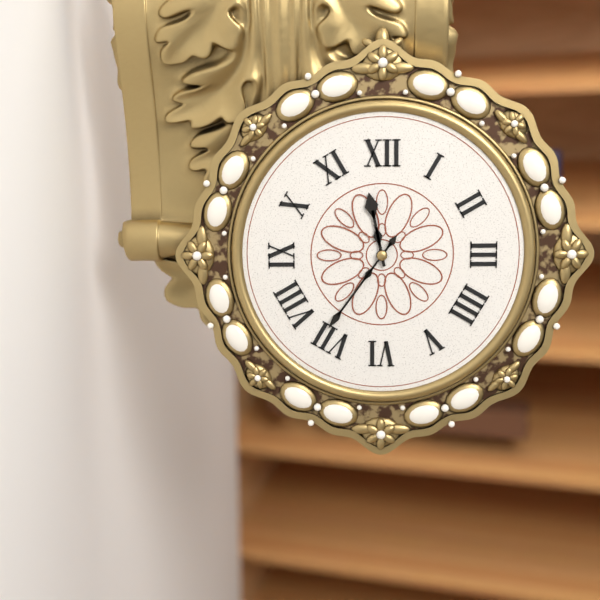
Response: 11:36
